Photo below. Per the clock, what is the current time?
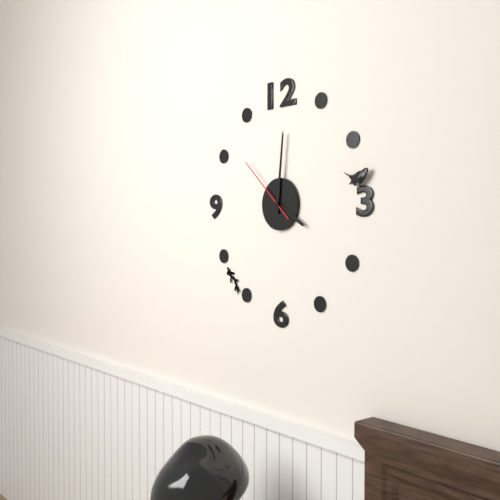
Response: 4:01:52
